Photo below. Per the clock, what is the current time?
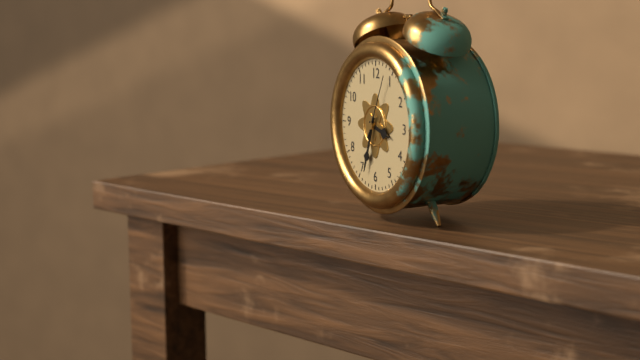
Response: 3:33:04
